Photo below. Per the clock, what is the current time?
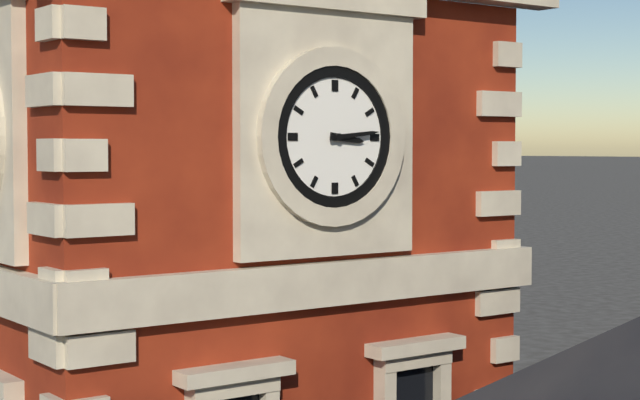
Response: 3:14
